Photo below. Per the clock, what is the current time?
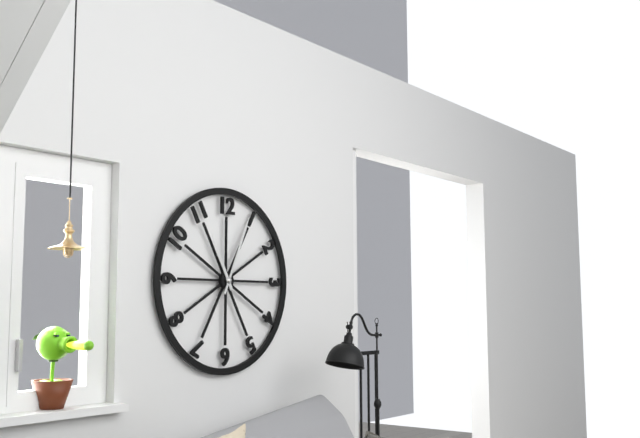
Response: 11:04
